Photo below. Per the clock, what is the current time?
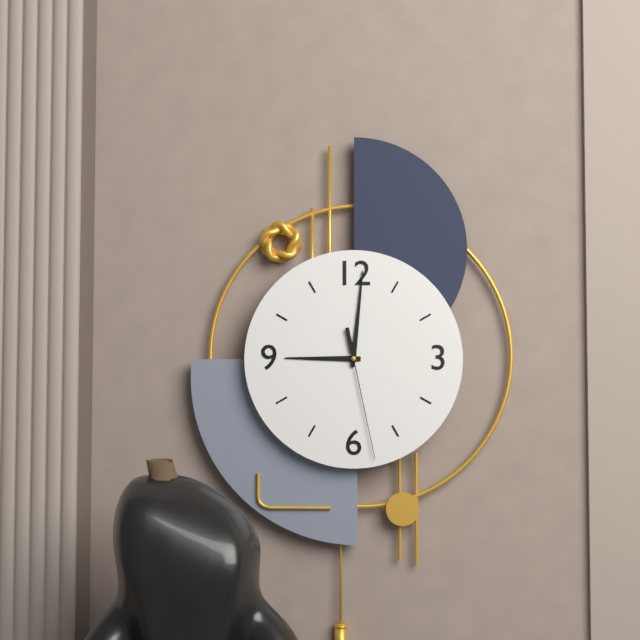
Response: 9:01:28
